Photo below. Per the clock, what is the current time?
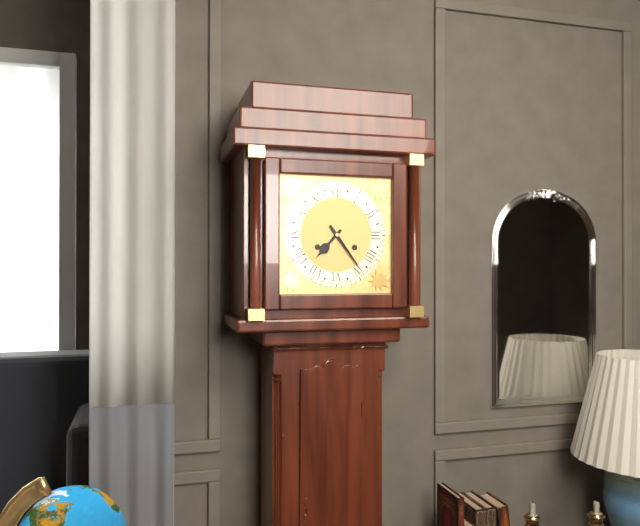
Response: 7:24
